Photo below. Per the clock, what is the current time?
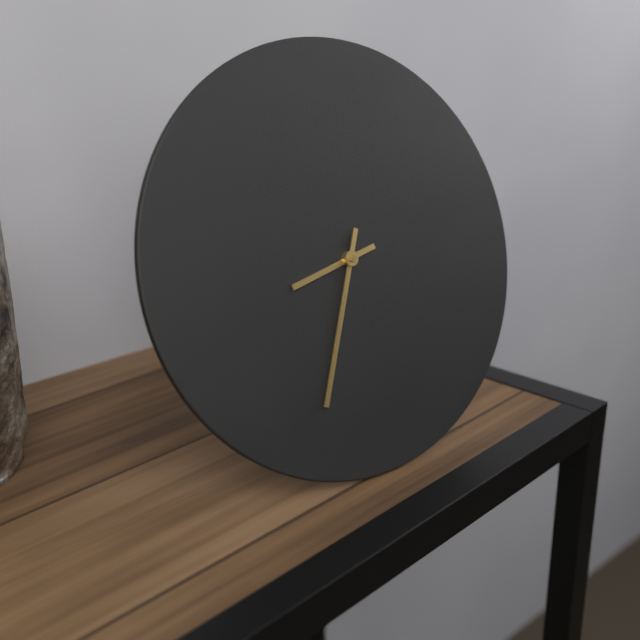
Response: 8:34
